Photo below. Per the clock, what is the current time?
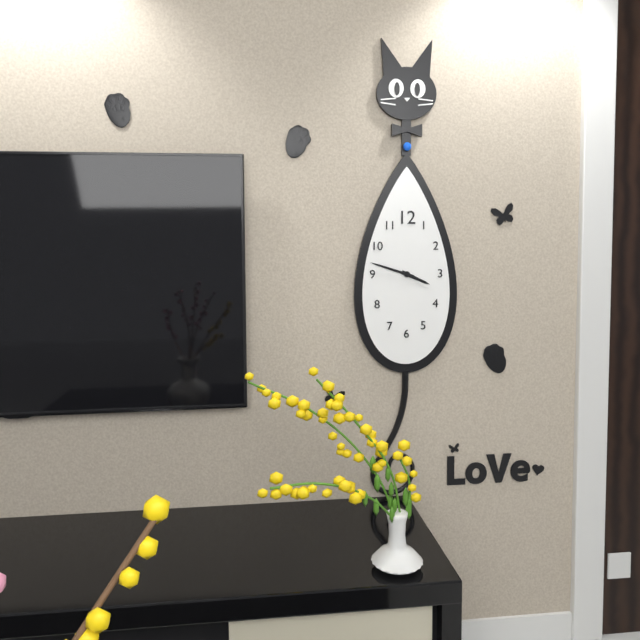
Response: 3:48
